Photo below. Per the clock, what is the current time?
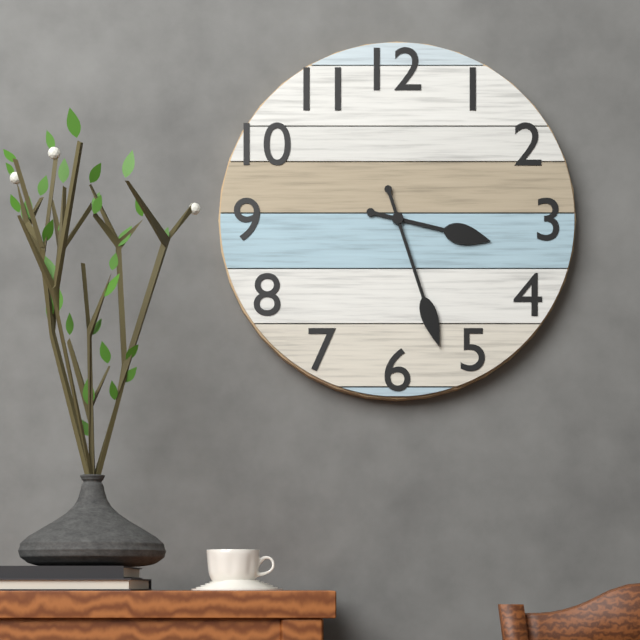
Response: 3:27
